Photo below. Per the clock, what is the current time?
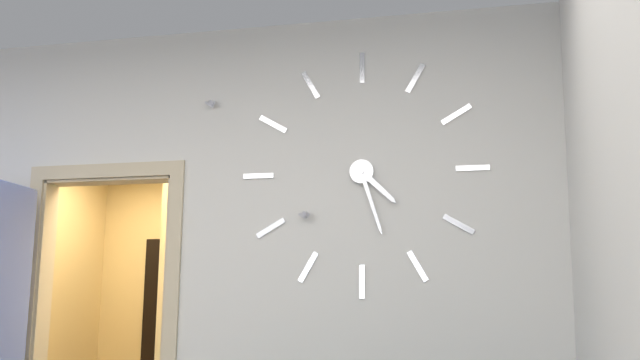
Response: 4:27
